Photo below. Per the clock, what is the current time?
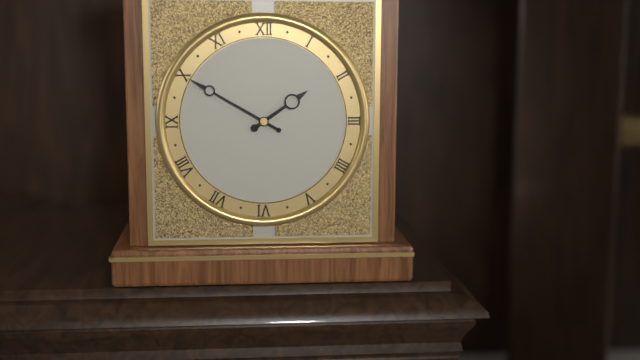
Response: 1:50
